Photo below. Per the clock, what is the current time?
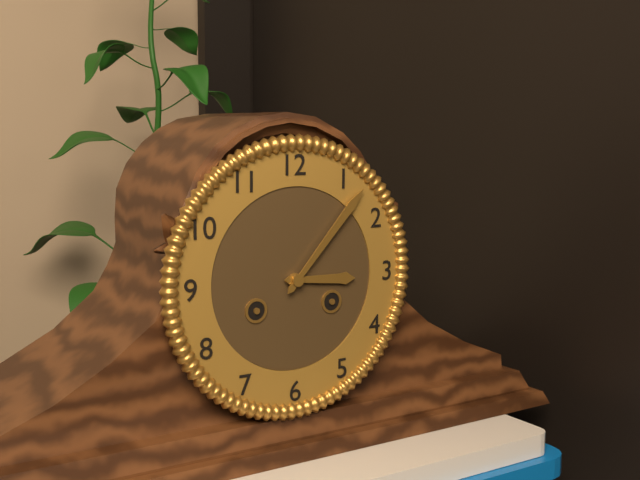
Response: 3:07
